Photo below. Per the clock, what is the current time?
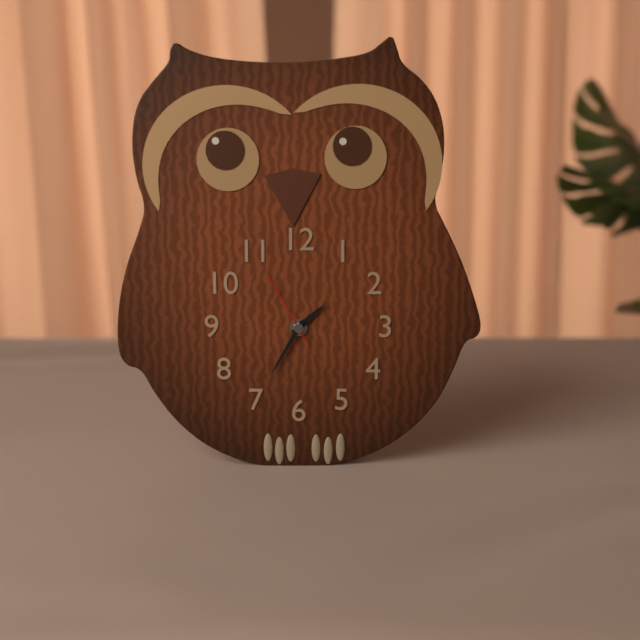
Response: 1:35:55
